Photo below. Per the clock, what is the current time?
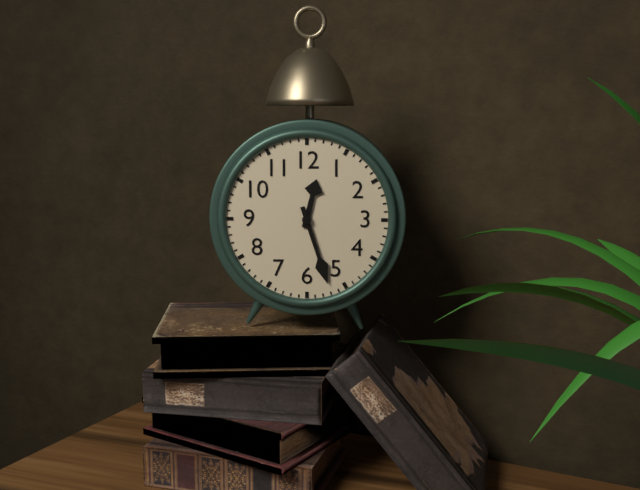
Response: 12:27
